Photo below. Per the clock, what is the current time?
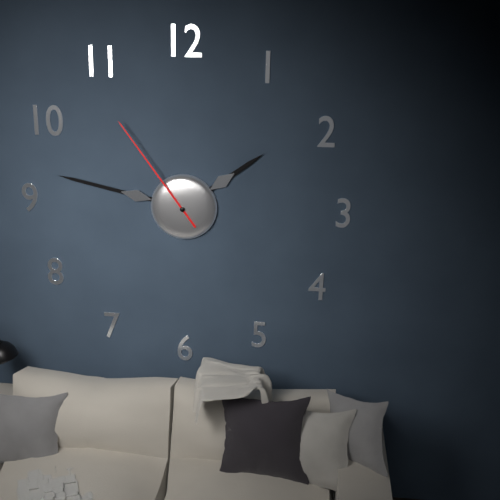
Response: 1:47:54
